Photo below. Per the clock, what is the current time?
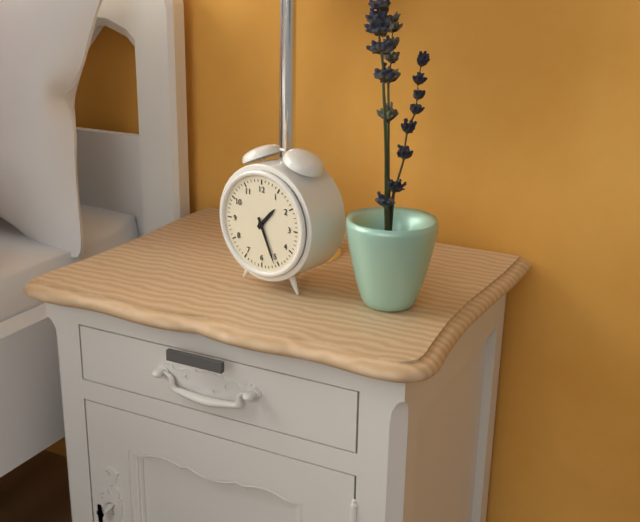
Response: 1:26
